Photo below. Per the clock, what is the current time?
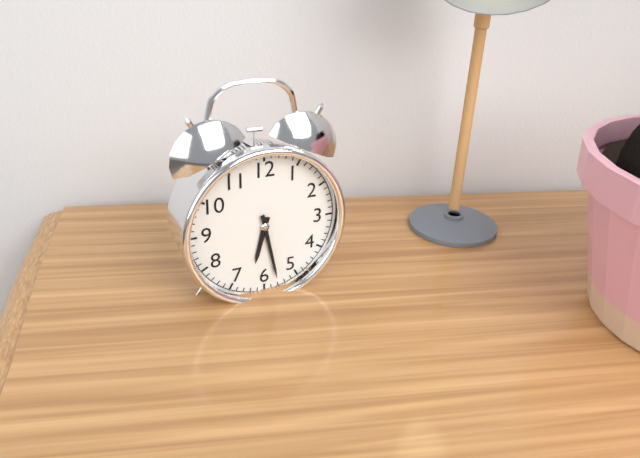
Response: 6:28
